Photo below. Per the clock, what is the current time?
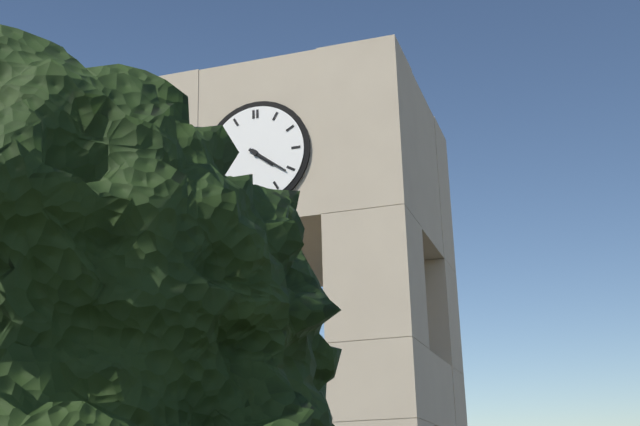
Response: 4:21
